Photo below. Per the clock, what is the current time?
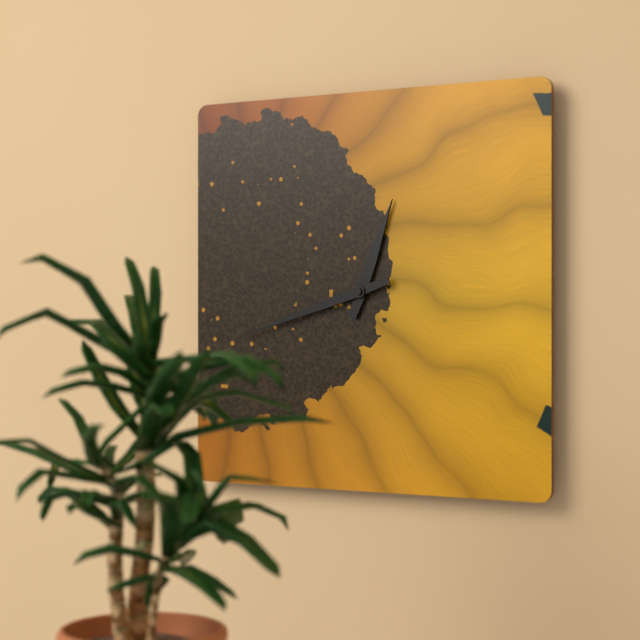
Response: 12:42
